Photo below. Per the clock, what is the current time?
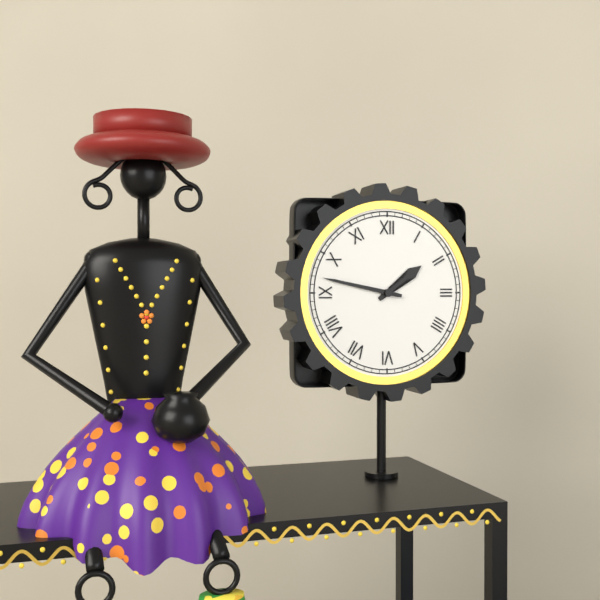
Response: 1:47
